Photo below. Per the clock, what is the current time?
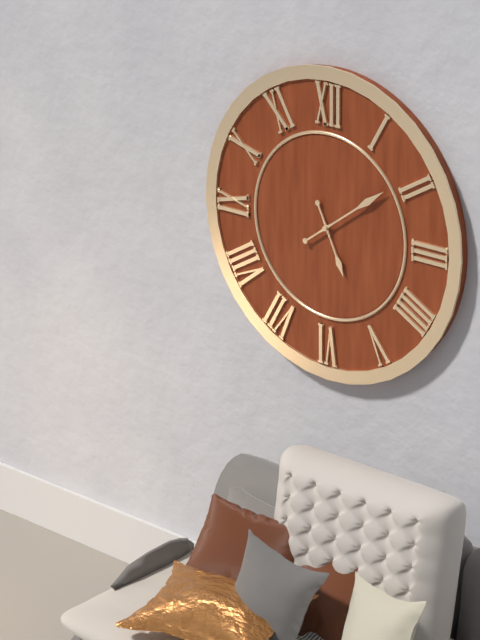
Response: 5:09
